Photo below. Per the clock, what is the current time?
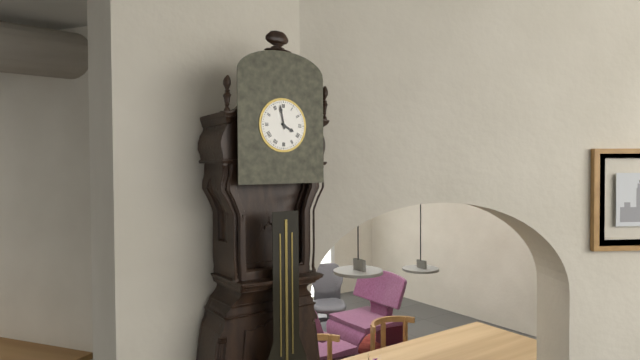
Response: 3:58
